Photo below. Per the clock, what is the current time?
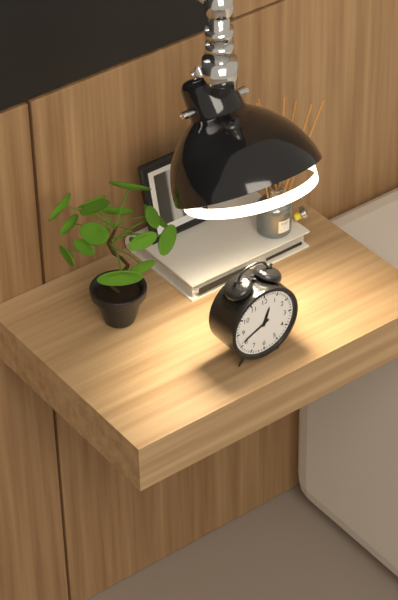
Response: 12:41
